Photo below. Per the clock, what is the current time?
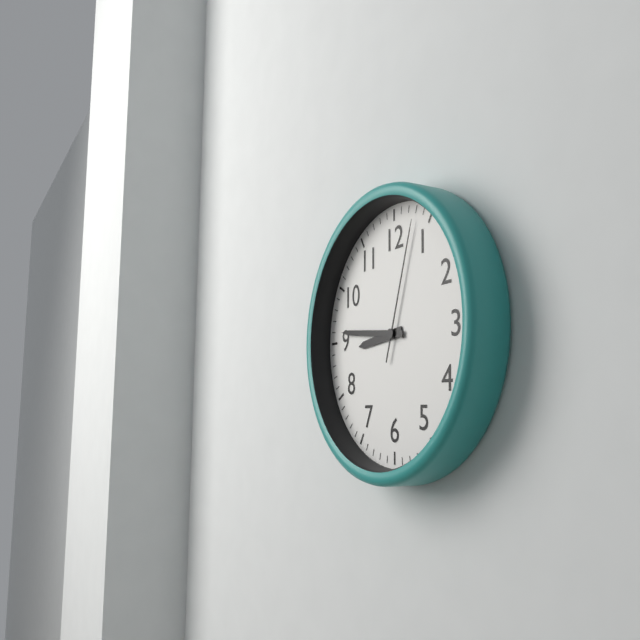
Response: 8:46:03
